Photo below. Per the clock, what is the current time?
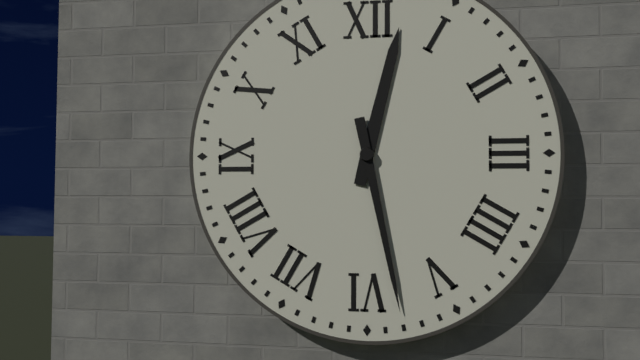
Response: 12:28
